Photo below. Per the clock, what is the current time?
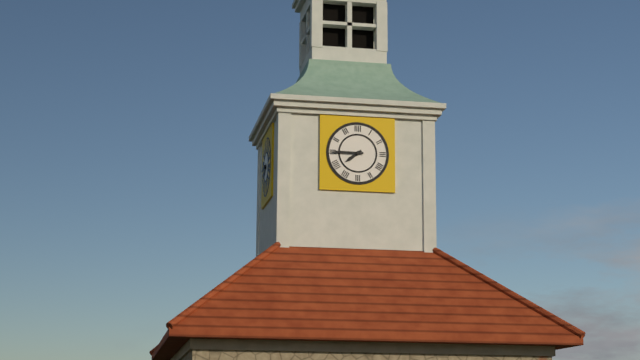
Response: 7:45
